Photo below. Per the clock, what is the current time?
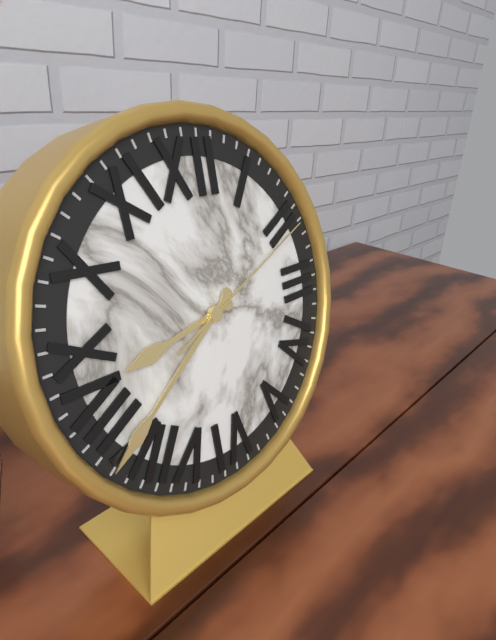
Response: 8:39:11
